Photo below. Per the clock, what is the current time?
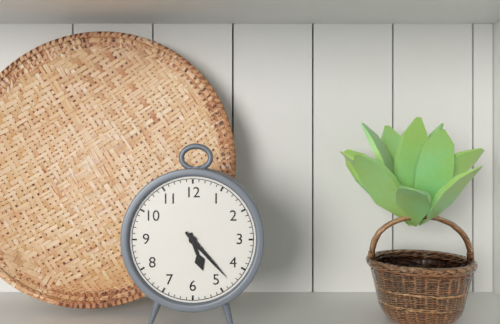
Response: 5:23
